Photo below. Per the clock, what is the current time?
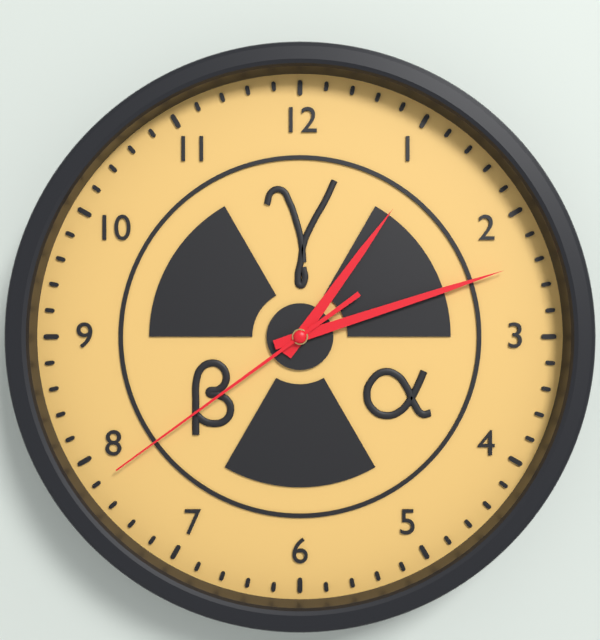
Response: 1:12:39
